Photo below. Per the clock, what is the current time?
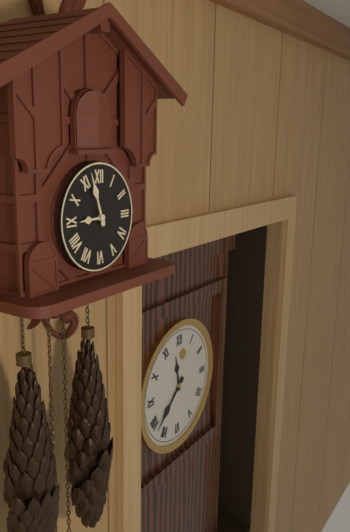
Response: 8:57
